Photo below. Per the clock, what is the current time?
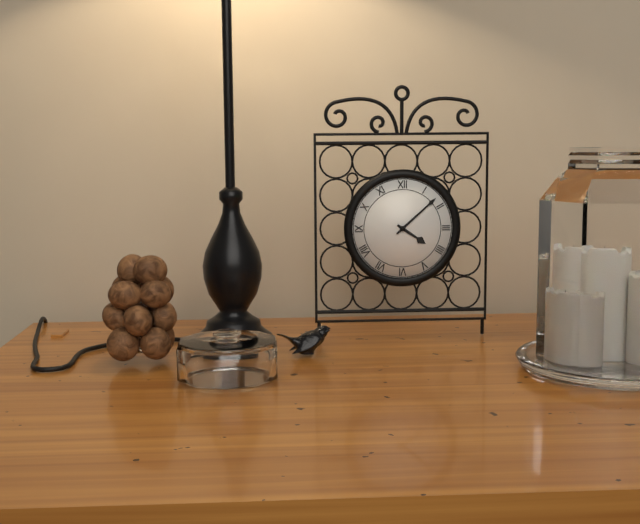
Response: 4:08
